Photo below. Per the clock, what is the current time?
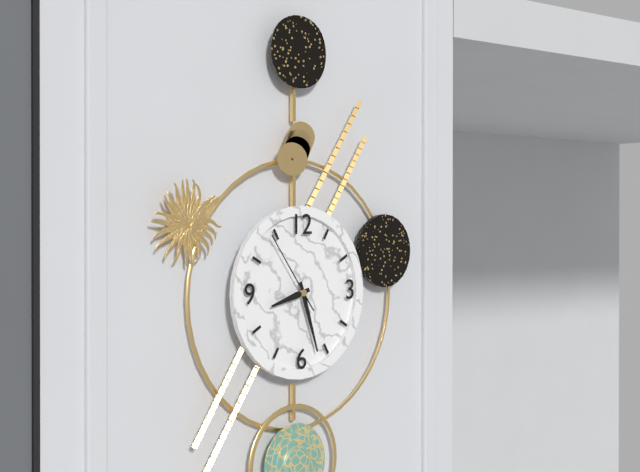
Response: 8:27:54
